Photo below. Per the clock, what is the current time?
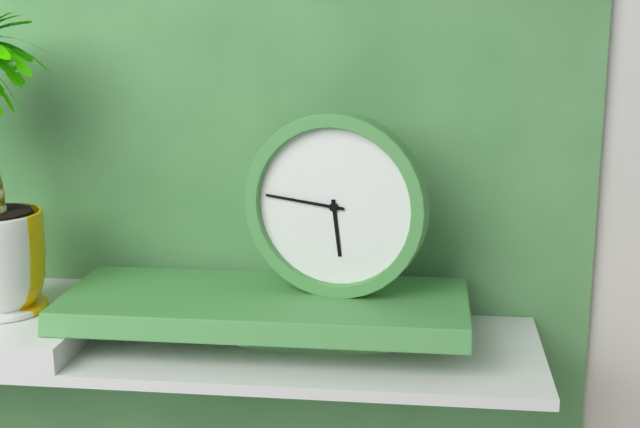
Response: 5:46
